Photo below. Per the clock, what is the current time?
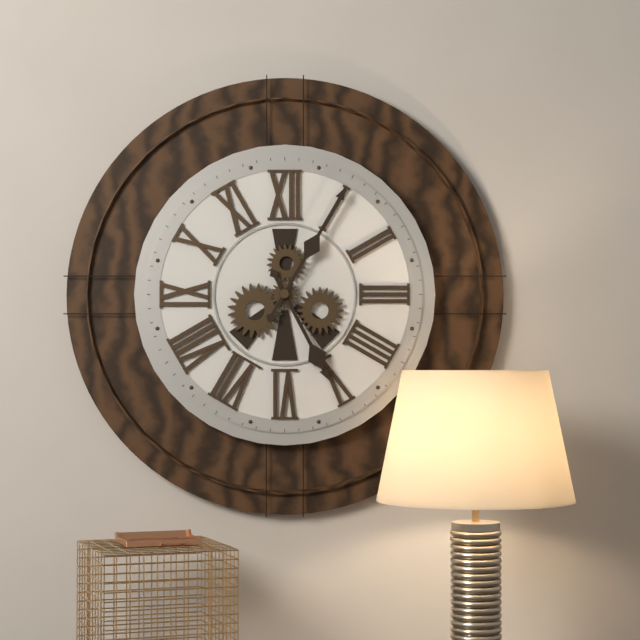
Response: 5:05
